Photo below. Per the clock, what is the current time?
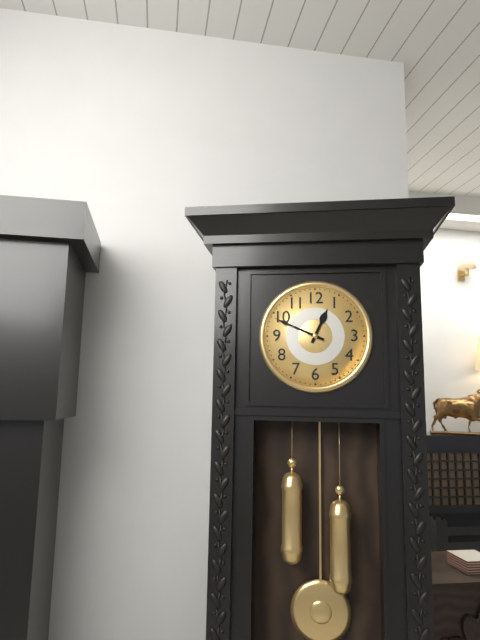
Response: 12:49
